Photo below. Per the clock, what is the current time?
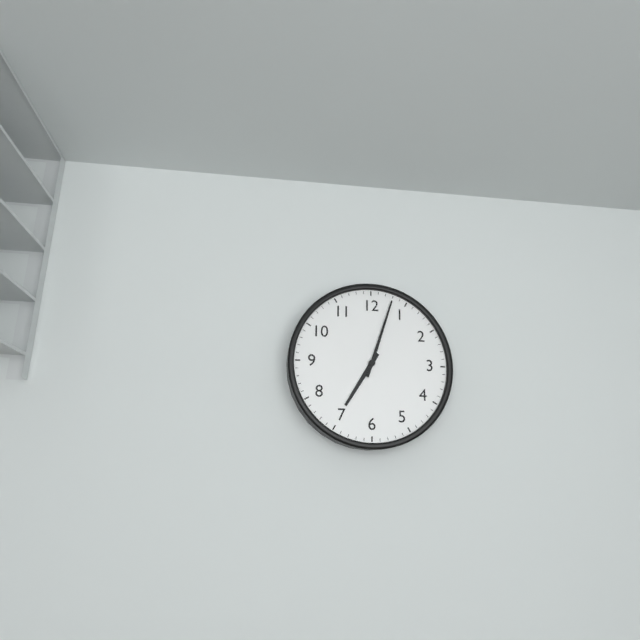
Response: 7:03
